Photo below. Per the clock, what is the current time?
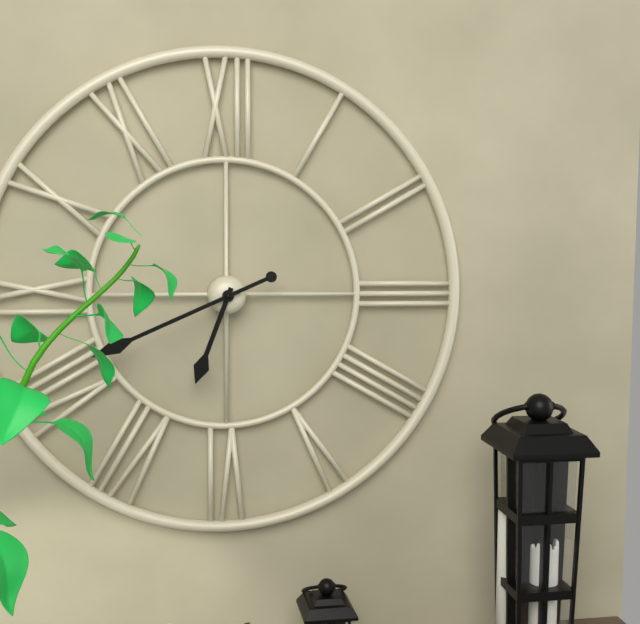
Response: 6:41
